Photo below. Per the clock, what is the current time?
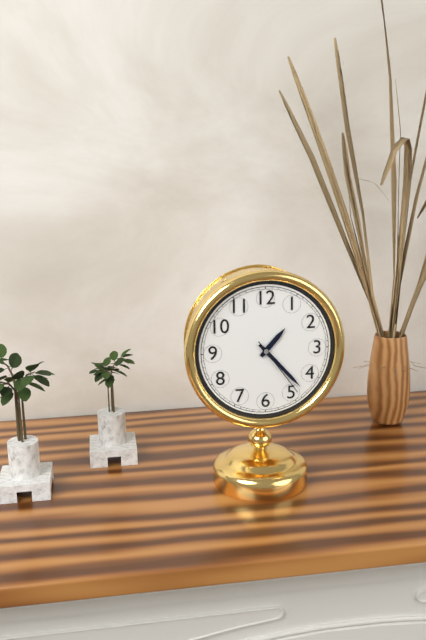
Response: 1:23:24
